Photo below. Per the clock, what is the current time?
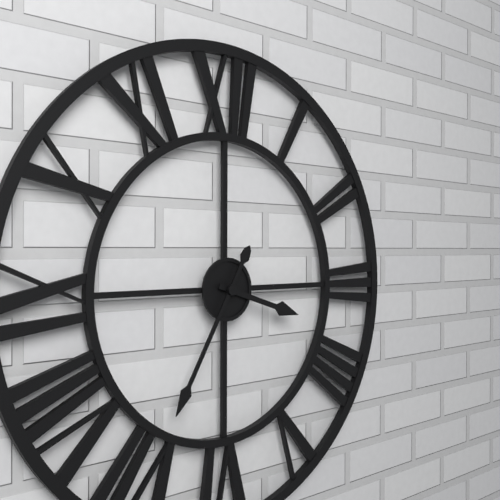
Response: 3:35
